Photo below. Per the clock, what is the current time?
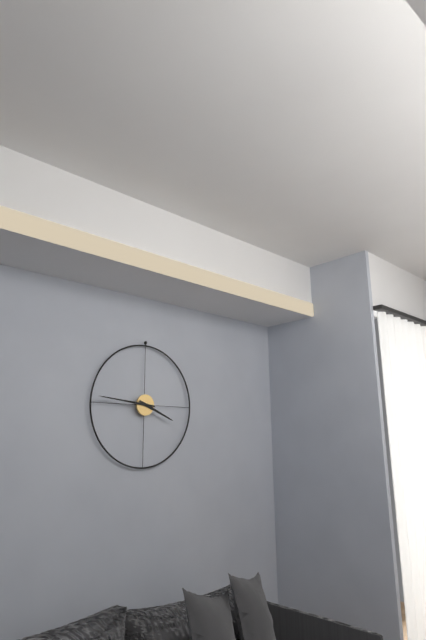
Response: 3:46
